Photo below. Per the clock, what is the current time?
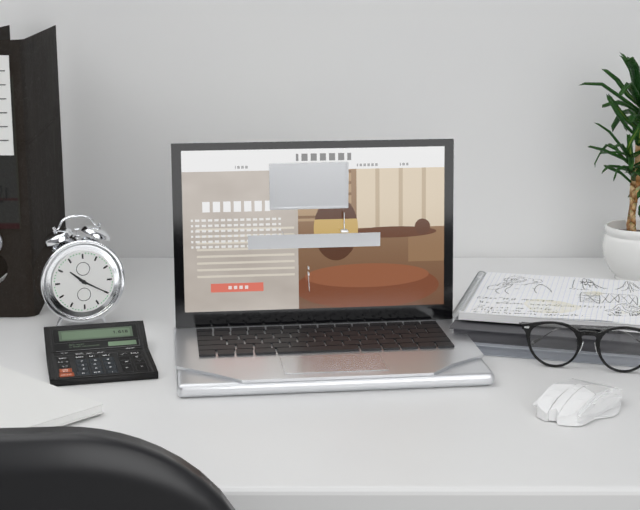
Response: 10:20
